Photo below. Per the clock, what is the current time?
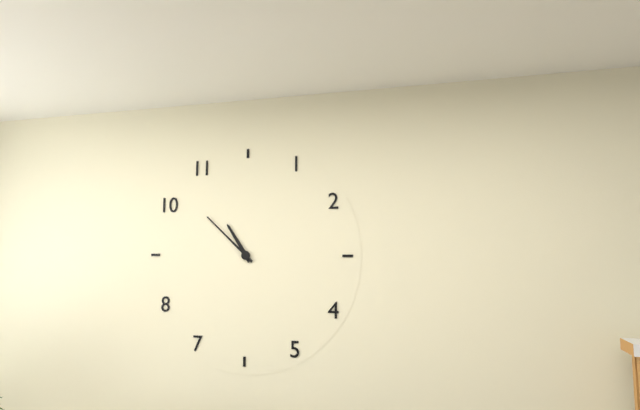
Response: 10:52
